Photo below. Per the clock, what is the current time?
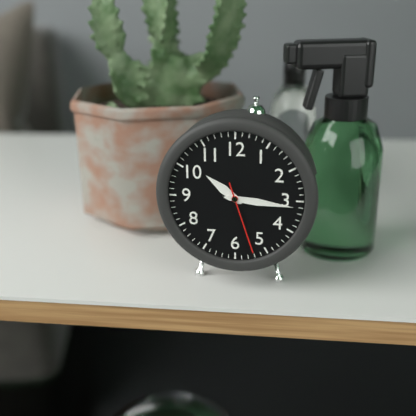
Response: 10:16:27
